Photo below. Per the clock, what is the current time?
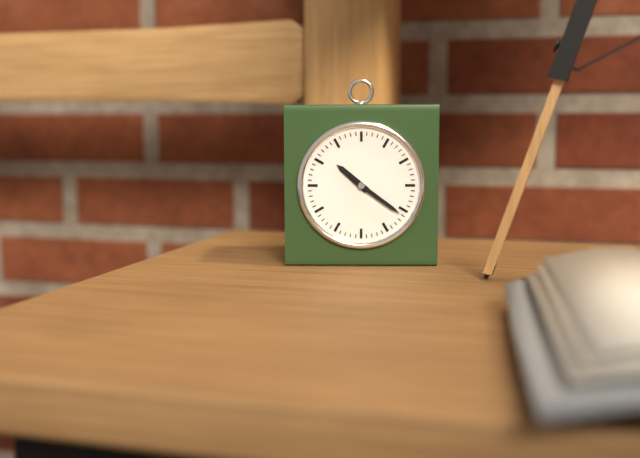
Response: 10:21
